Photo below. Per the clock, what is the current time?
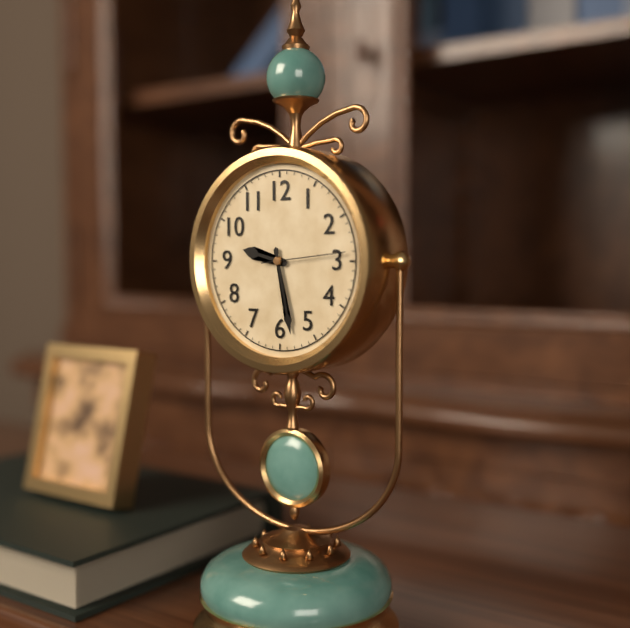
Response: 9:28:14
